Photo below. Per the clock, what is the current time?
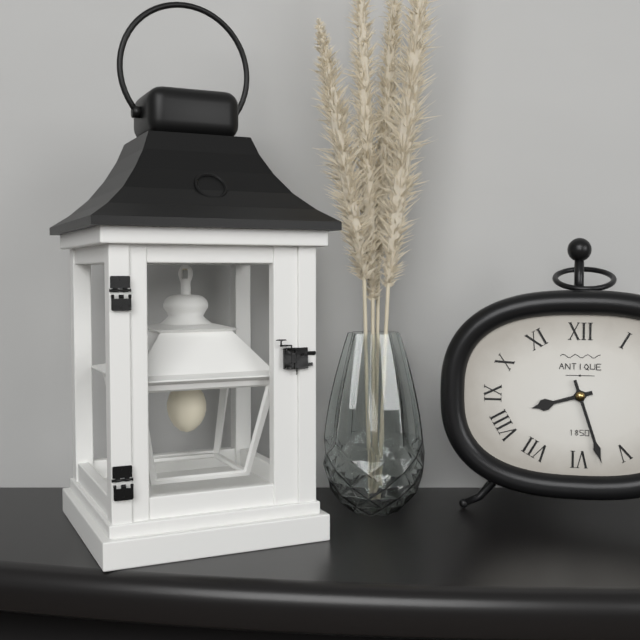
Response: 8:27
